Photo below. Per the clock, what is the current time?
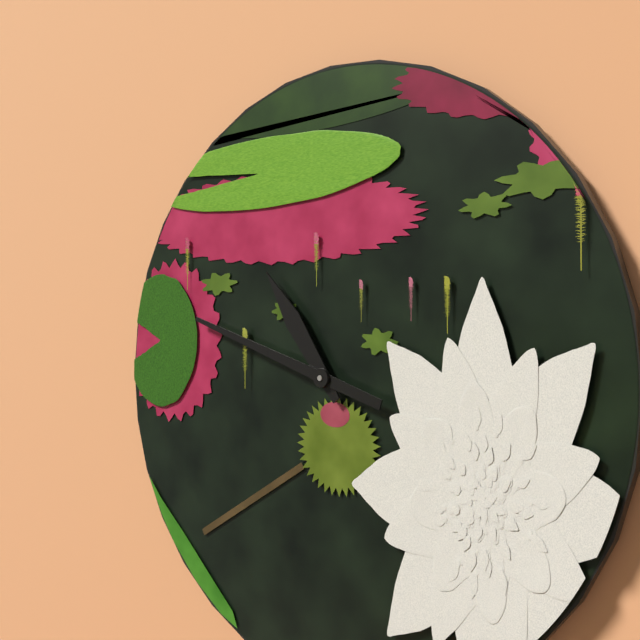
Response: 10:48
